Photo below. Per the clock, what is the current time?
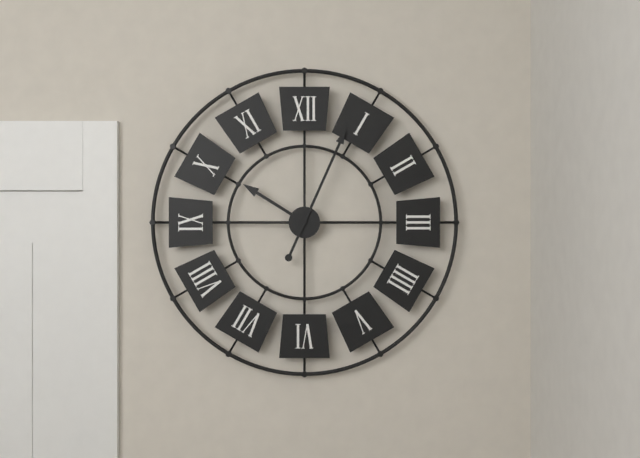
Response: 10:04
